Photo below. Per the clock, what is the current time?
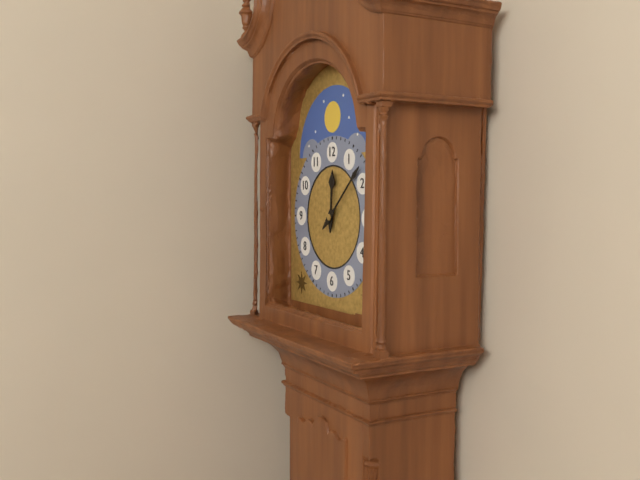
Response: 12:08
